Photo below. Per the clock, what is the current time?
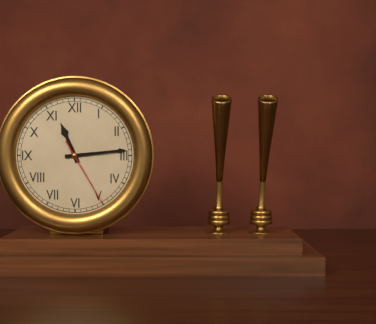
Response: 11:14:25
